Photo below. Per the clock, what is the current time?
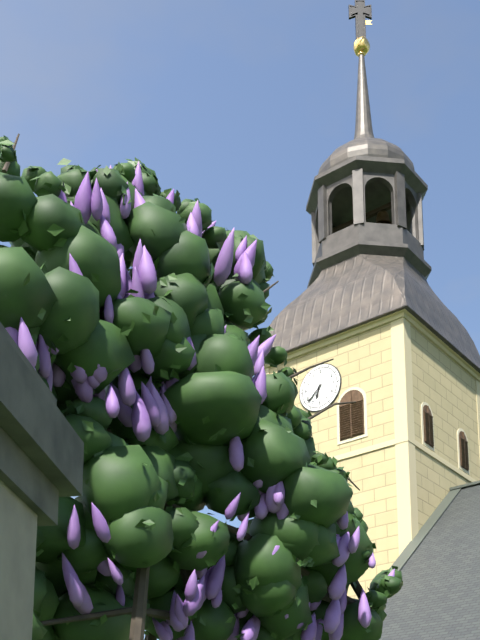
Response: 6:38
